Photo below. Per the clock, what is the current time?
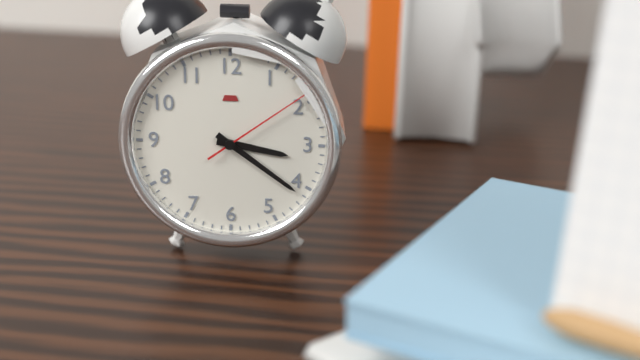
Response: 3:21:09
